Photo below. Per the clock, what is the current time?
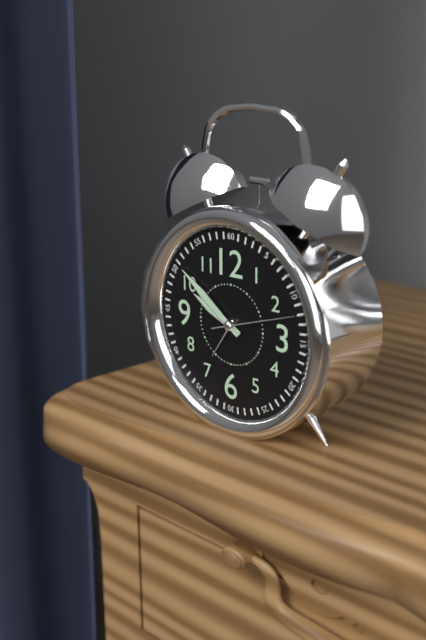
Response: 9:51:12
